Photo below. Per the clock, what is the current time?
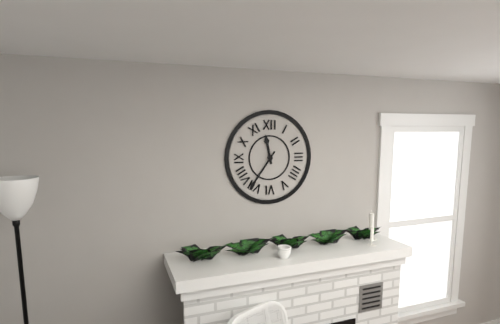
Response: 11:36
